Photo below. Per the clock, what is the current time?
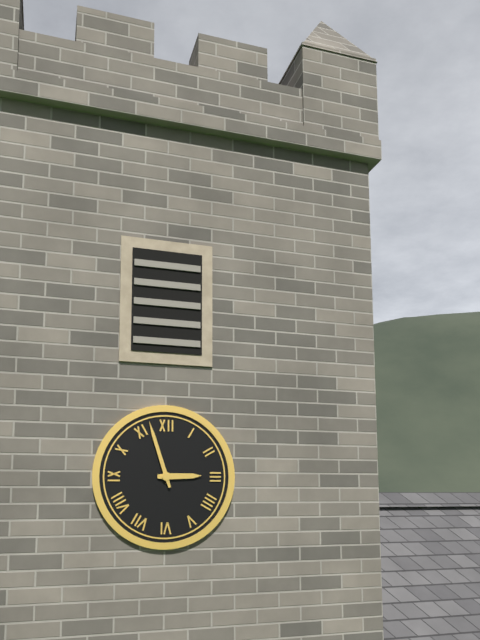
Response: 2:57
